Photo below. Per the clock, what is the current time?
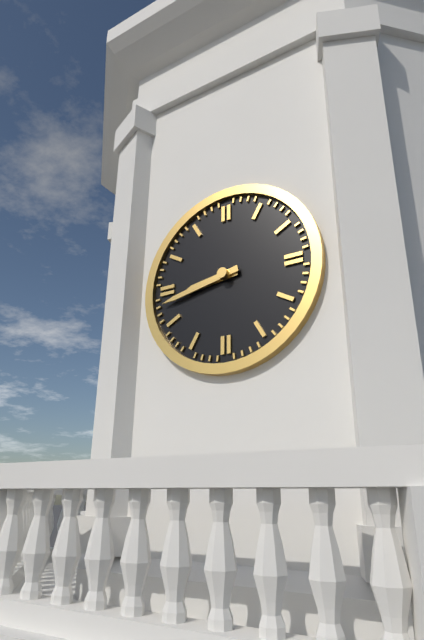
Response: 8:43
